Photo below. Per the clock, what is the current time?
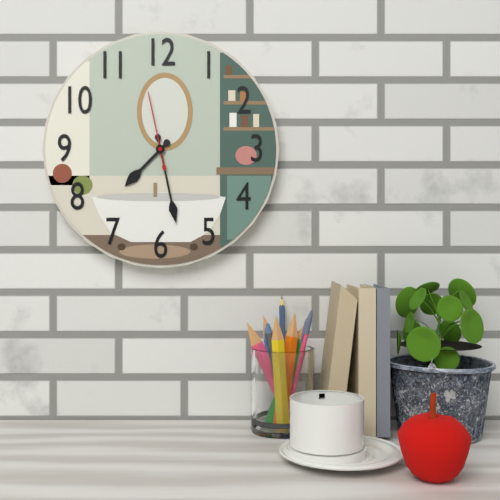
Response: 7:28:58
